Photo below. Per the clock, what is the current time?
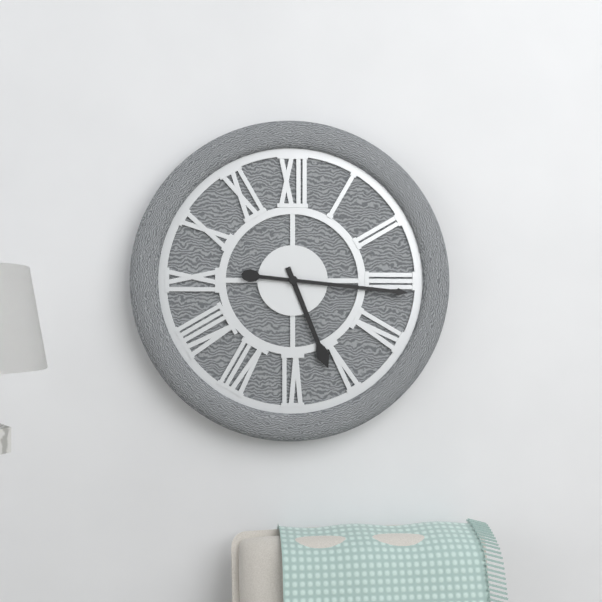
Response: 5:16
